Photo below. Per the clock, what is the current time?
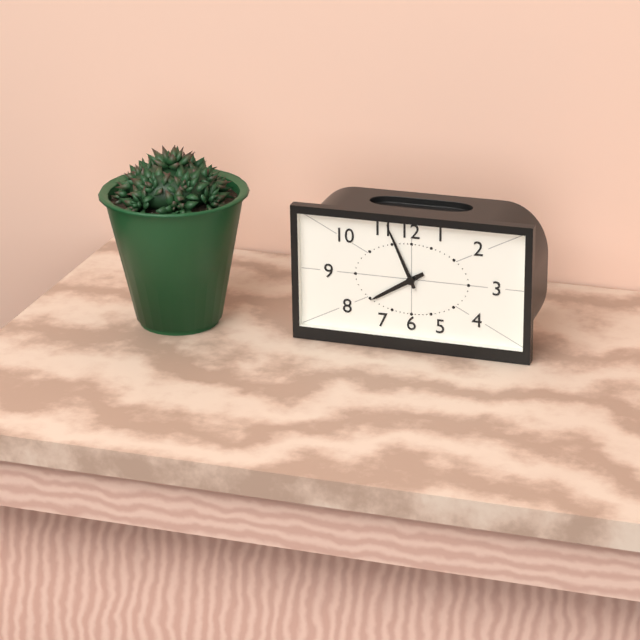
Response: 7:56
